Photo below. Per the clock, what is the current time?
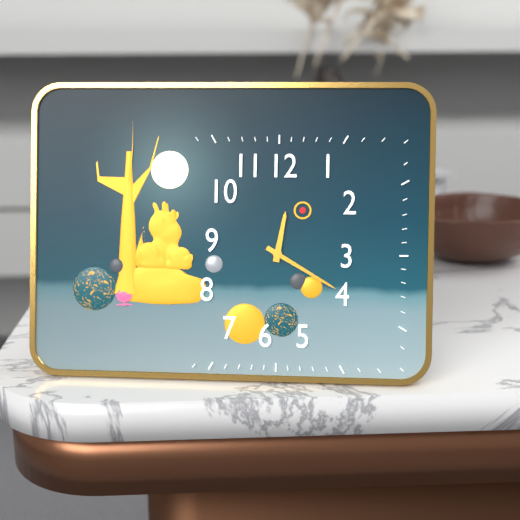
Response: 12:20
